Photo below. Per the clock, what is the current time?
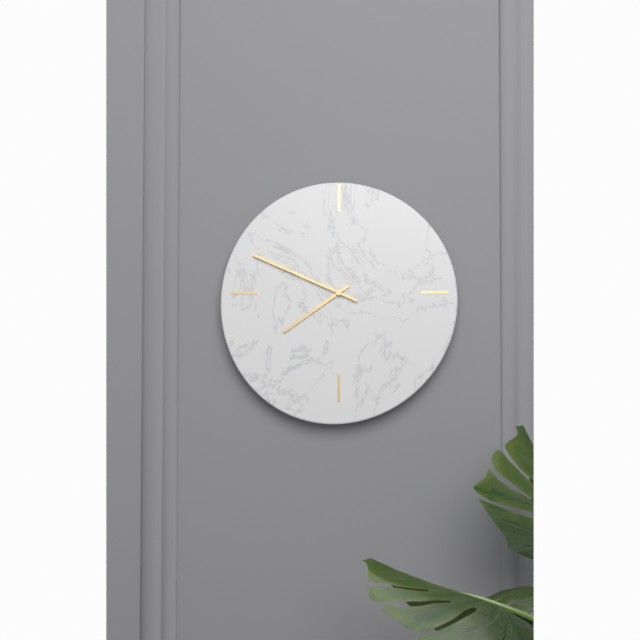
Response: 7:49
